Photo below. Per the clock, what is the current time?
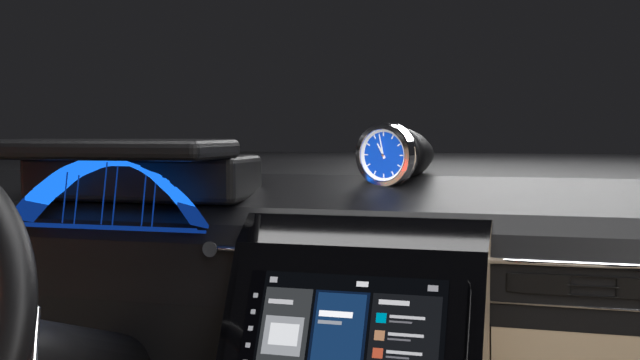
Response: 10:58
